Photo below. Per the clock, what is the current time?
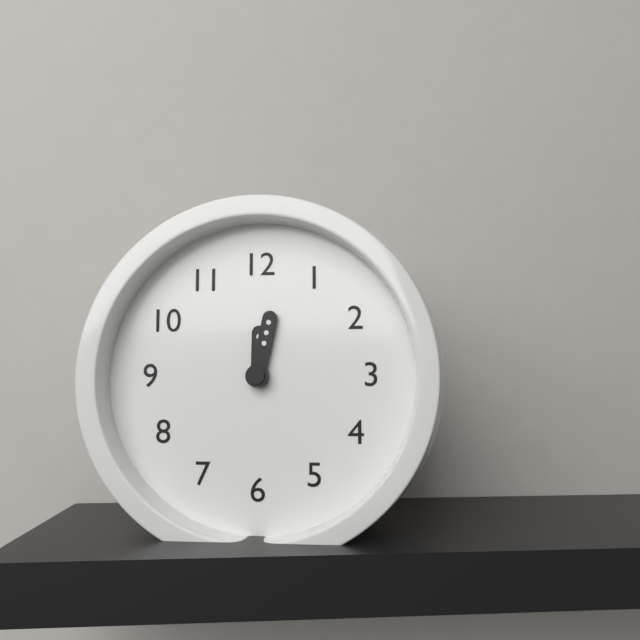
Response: 12:02
